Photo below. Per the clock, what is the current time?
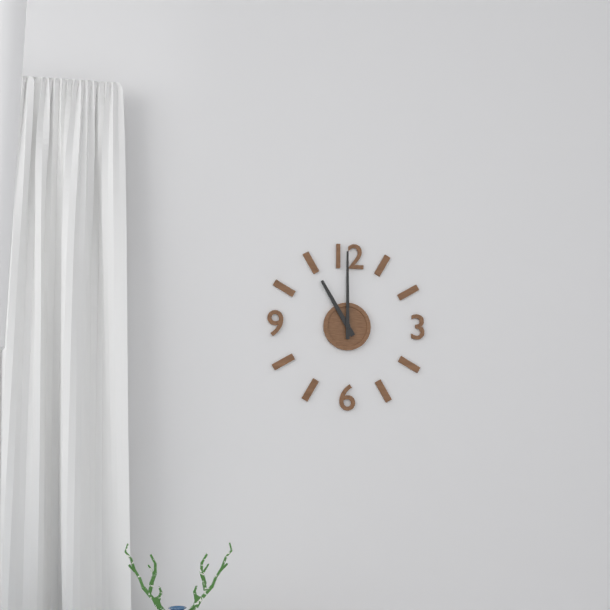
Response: 11:00
